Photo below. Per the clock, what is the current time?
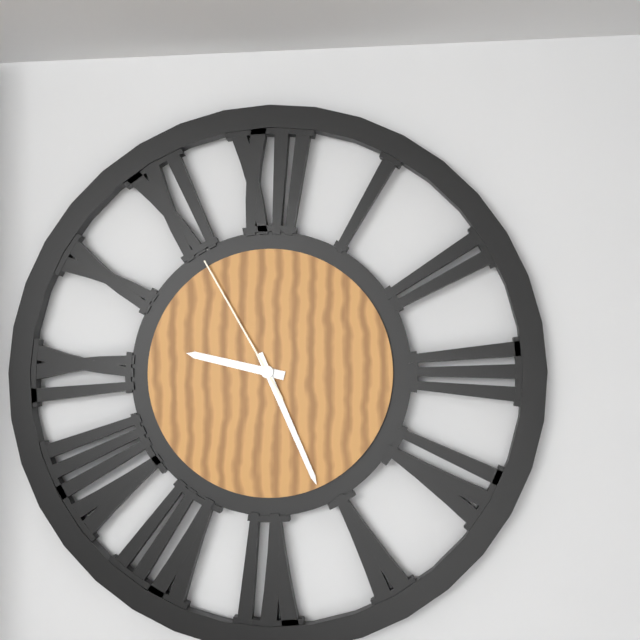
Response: 9:26:55
